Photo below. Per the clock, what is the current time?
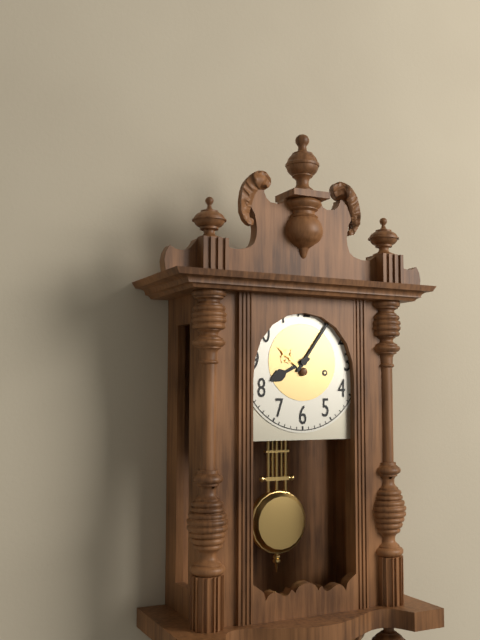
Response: 8:06
